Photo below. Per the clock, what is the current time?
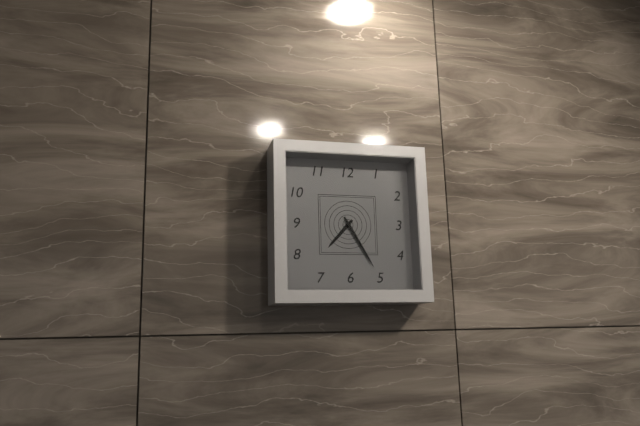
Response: 7:25
